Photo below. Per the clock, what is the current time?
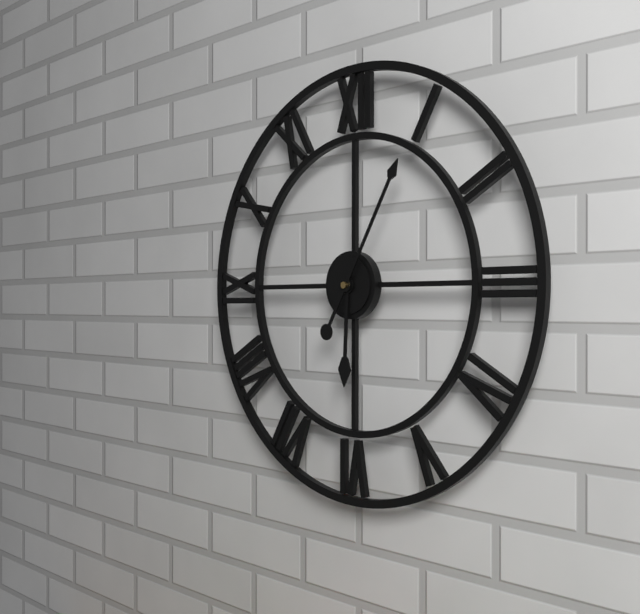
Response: 6:05
